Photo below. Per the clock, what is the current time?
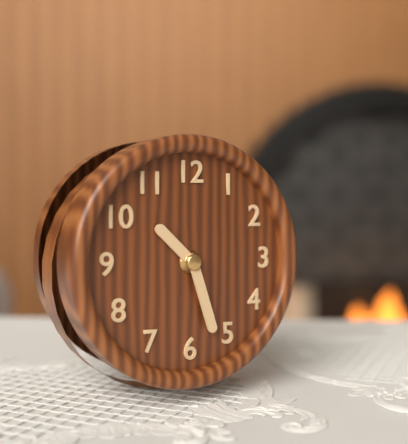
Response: 10:27
